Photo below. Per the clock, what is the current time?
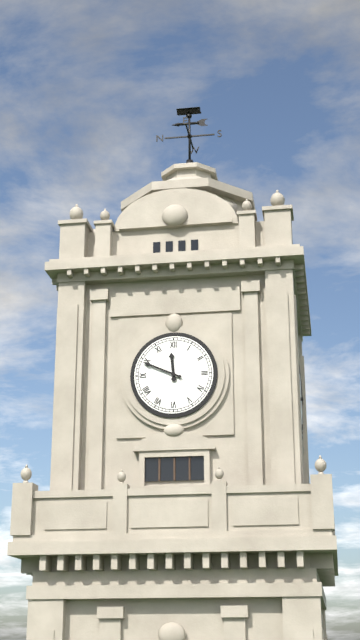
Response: 11:49
